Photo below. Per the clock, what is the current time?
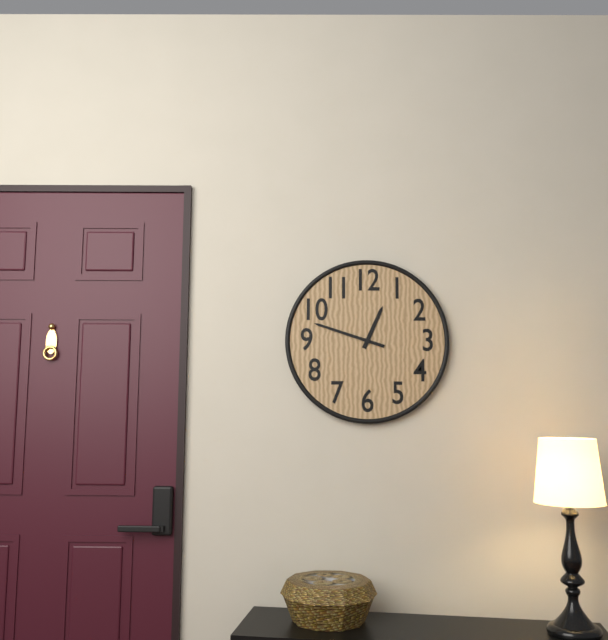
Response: 12:48
